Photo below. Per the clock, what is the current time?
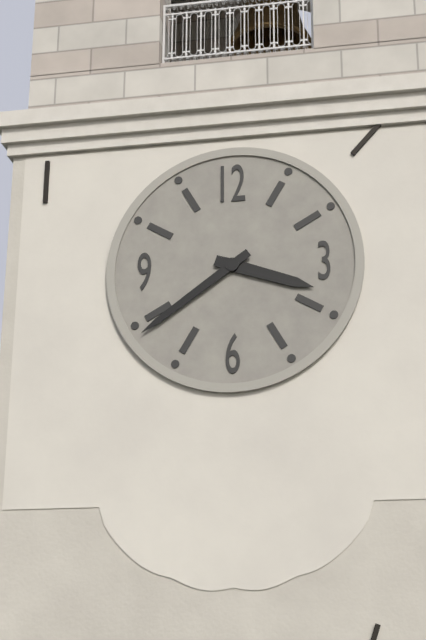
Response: 3:39
